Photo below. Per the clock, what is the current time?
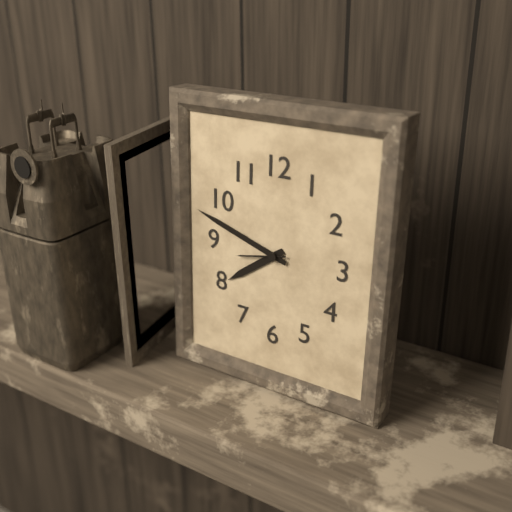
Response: 7:48
